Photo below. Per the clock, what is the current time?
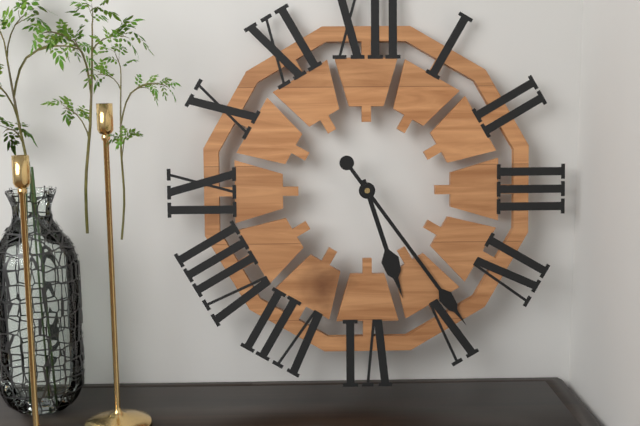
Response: 5:24
